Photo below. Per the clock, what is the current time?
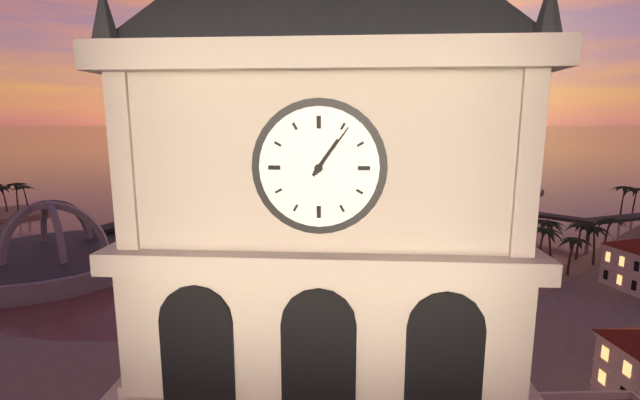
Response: 1:06
